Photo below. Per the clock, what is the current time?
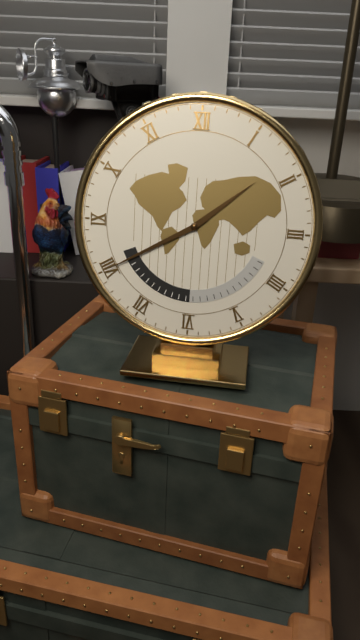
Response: 1:40
